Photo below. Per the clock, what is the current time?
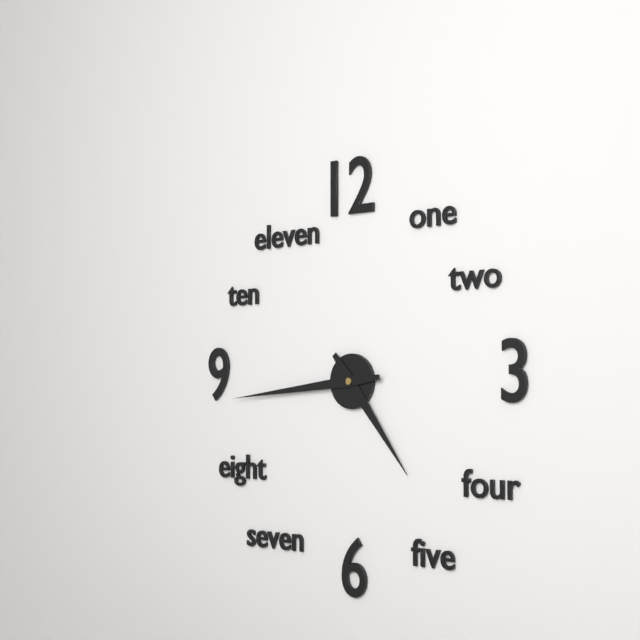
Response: 4:44
